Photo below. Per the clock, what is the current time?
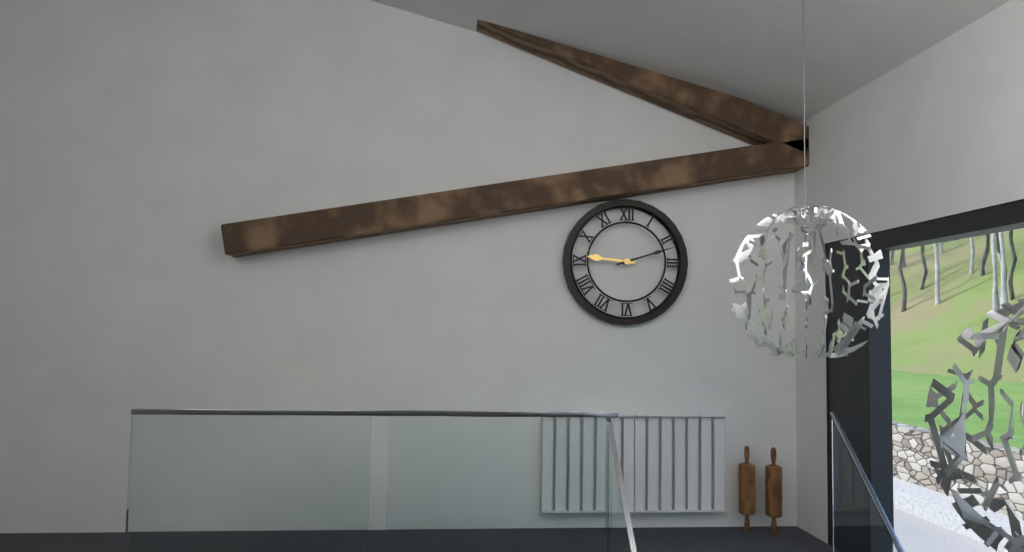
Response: 9:12
